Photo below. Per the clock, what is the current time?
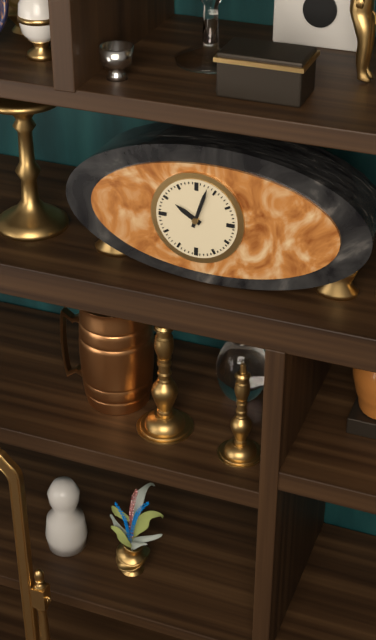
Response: 10:03
